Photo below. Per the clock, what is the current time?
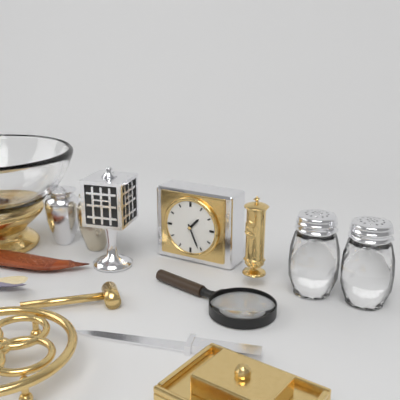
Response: 1:26
